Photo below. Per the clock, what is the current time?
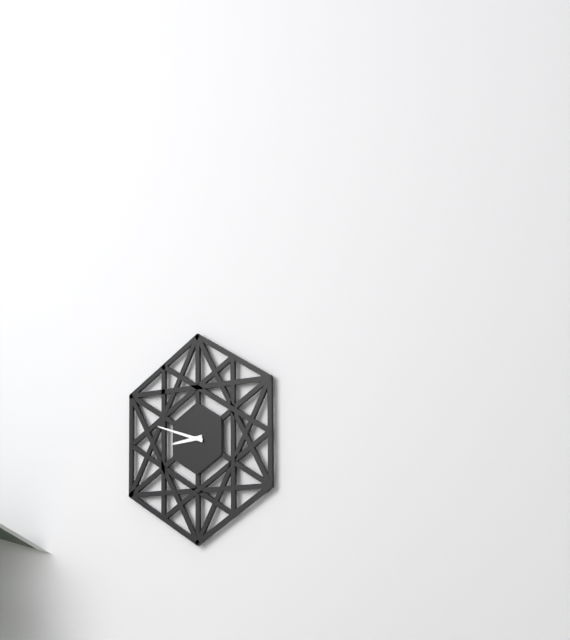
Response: 8:48
